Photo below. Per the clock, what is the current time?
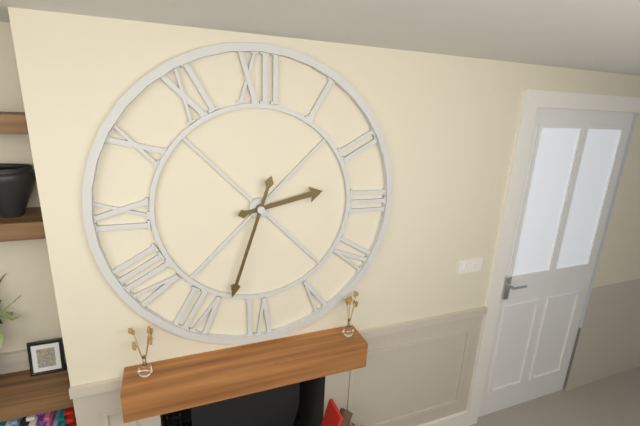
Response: 2:33
